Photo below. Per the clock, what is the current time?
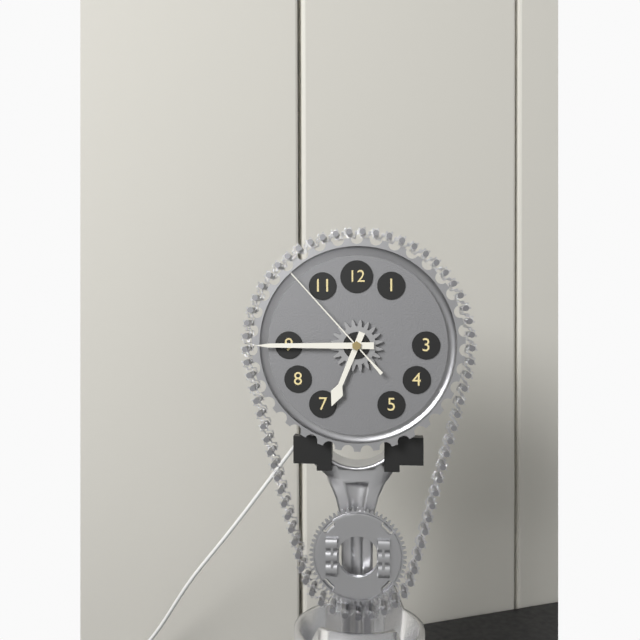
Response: 6:45:53
